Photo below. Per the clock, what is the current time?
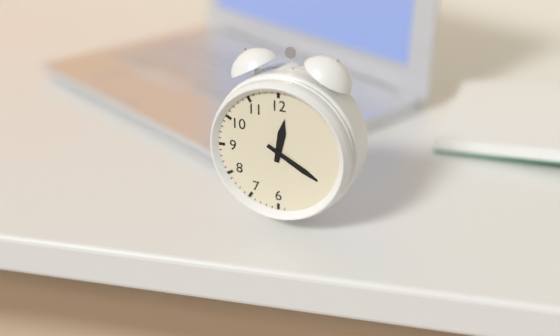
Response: 12:20
